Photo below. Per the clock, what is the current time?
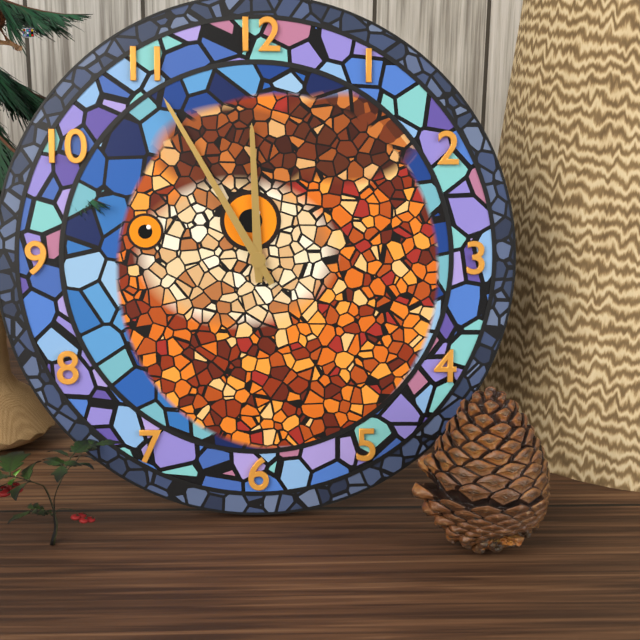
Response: 11:55
